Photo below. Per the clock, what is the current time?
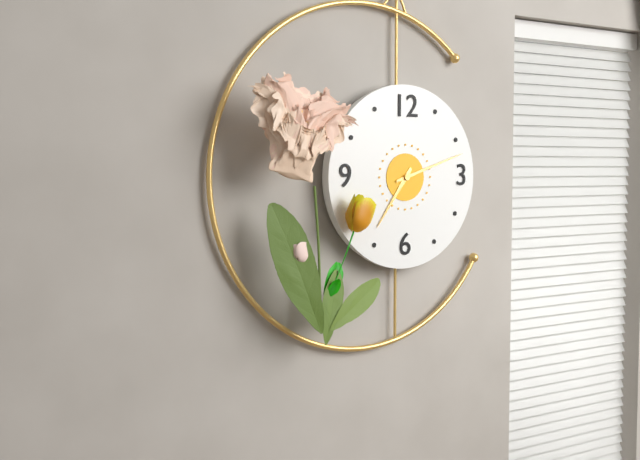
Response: 7:12
